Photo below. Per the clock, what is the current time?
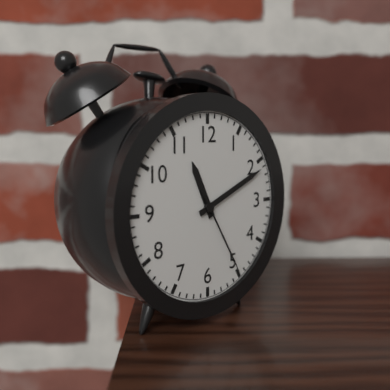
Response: 11:11:25
